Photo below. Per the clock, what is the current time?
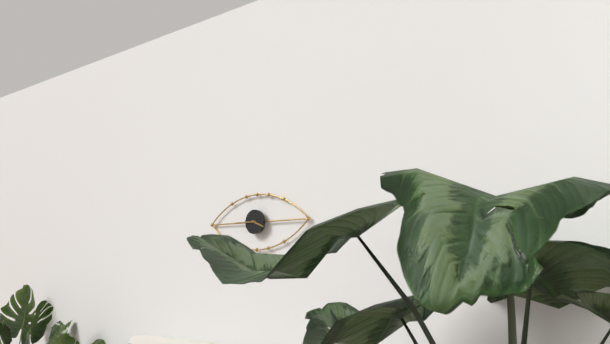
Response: 3:45
